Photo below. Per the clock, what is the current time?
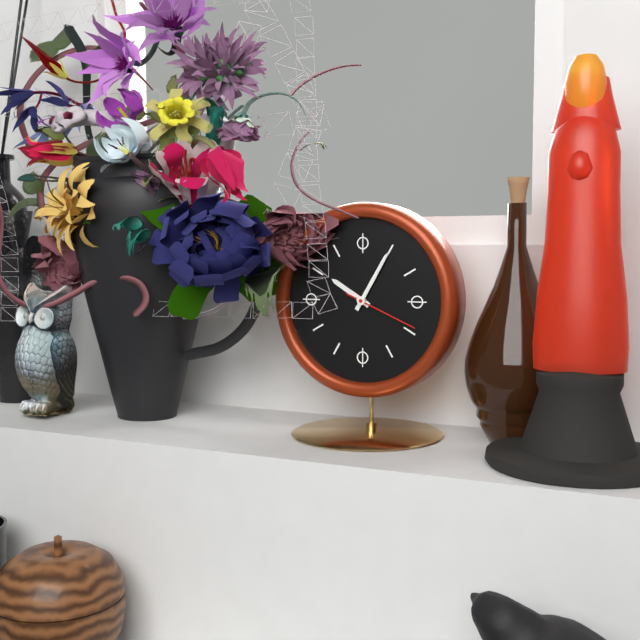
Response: 10:05:19
